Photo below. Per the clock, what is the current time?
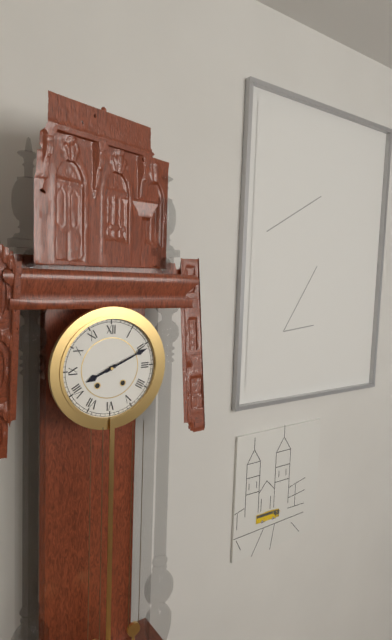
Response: 8:11
